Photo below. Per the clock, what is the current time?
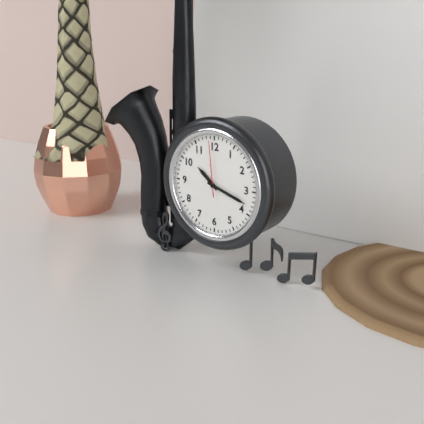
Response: 10:18:59
